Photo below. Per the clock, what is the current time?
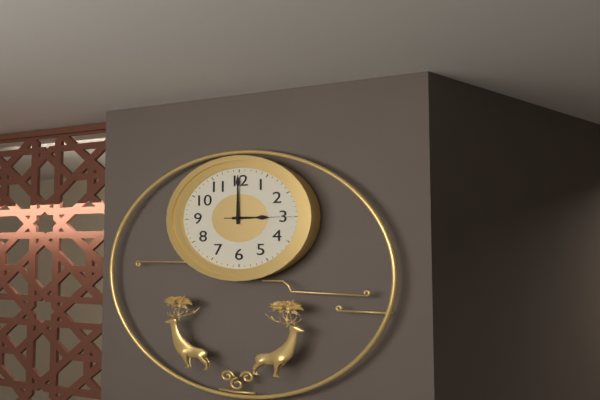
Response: 3:00:15
